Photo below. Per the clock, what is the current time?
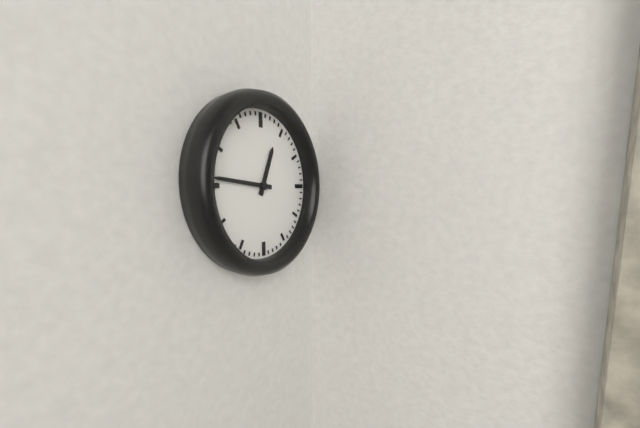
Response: 12:46
